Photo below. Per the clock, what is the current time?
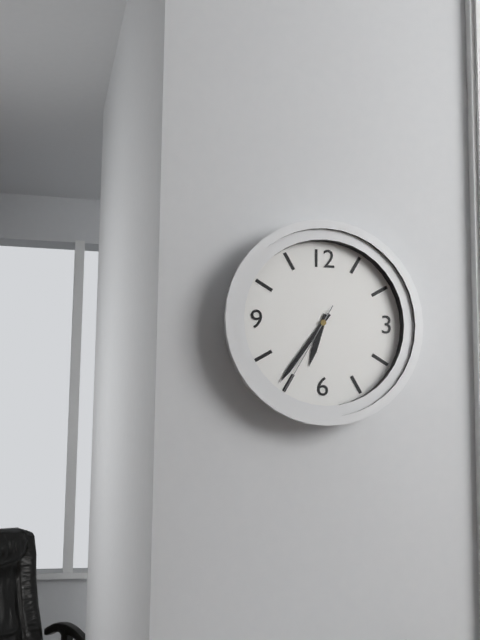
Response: 6:36:35
